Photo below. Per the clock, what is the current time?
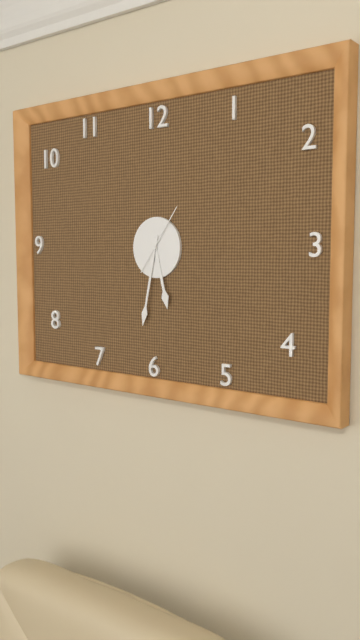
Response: 5:32:06
